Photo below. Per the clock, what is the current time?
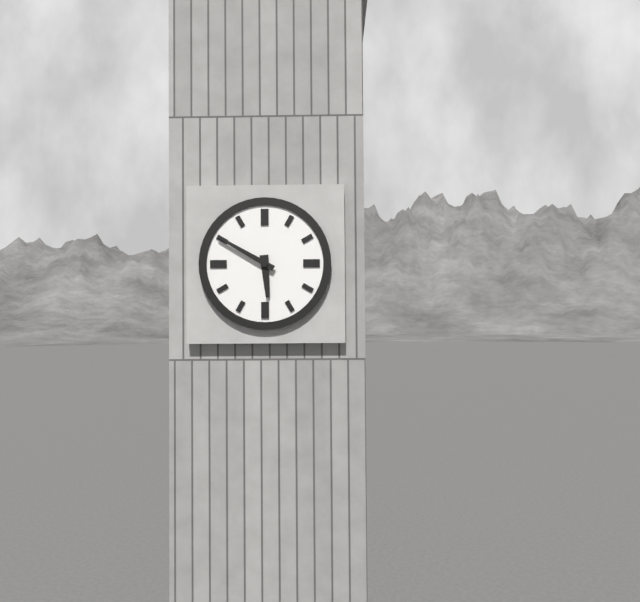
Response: 5:50
